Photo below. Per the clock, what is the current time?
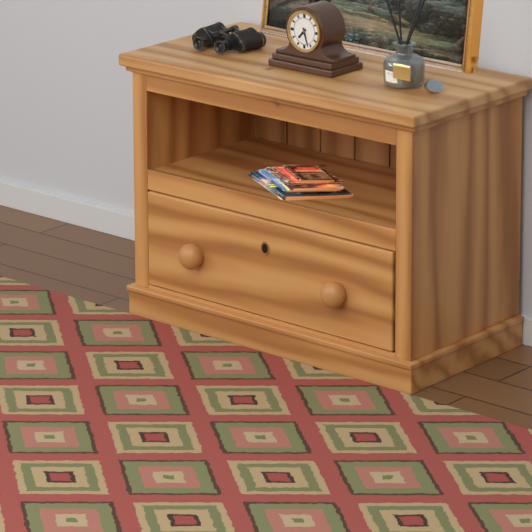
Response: 7:27
